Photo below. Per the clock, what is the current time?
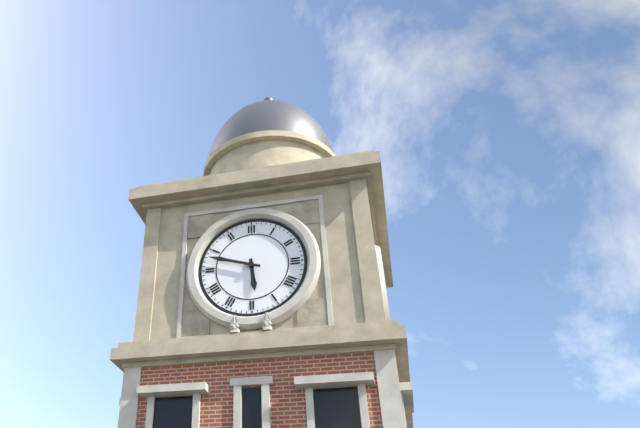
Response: 5:48
